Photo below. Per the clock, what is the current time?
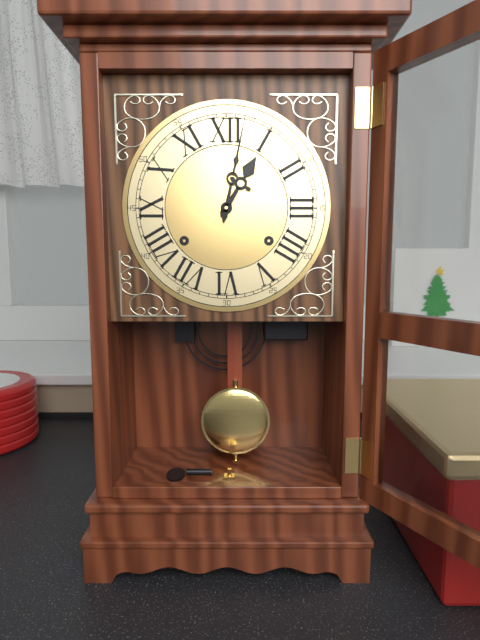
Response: 1:02
